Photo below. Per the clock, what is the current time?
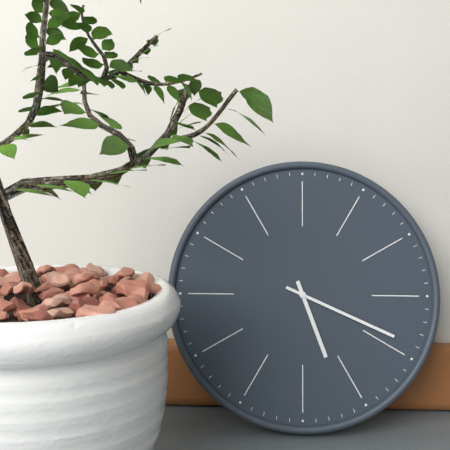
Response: 5:19
